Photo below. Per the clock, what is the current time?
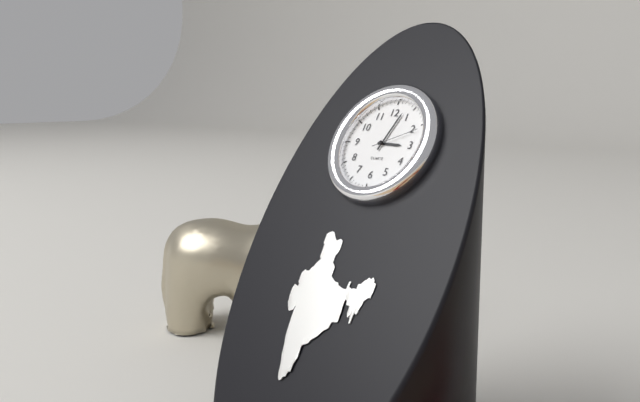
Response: 3:03
